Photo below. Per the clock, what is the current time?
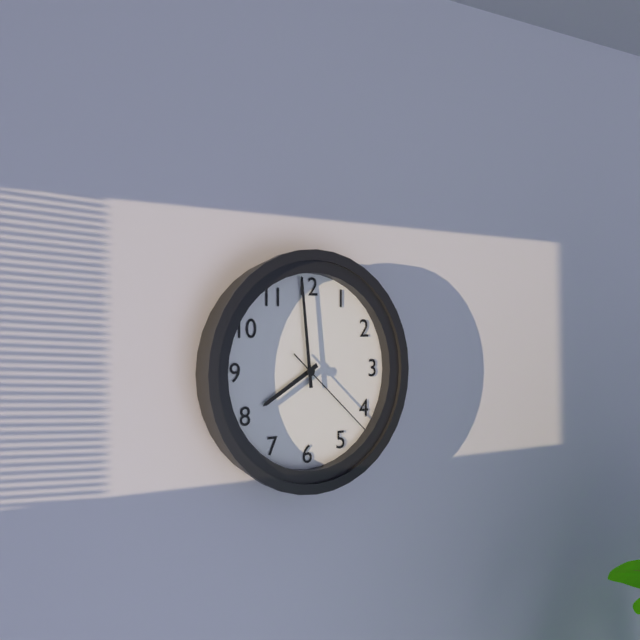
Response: 7:59:22
